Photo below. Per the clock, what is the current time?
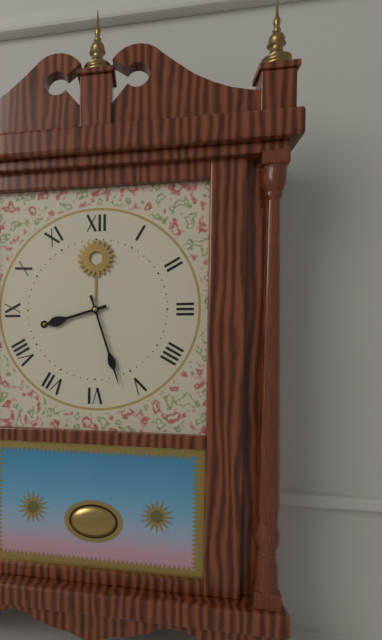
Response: 8:27
